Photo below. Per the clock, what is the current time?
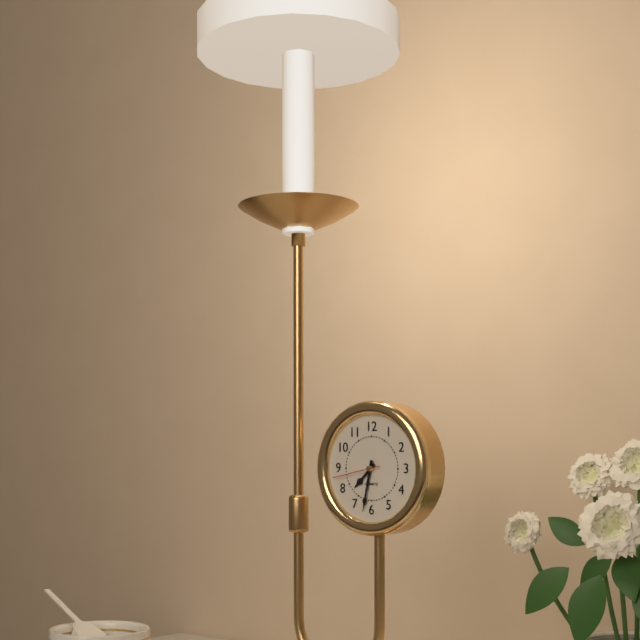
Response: 7:32
